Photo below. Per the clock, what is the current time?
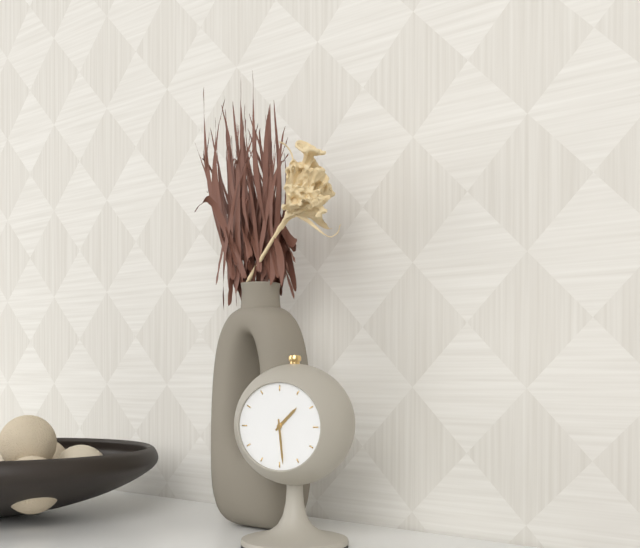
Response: 1:29
